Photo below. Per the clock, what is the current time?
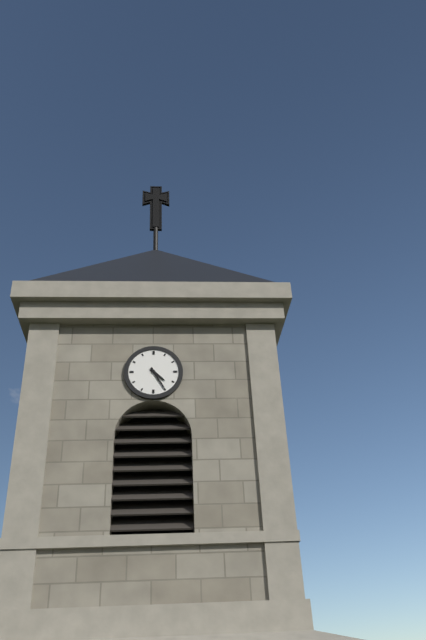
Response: 4:25
